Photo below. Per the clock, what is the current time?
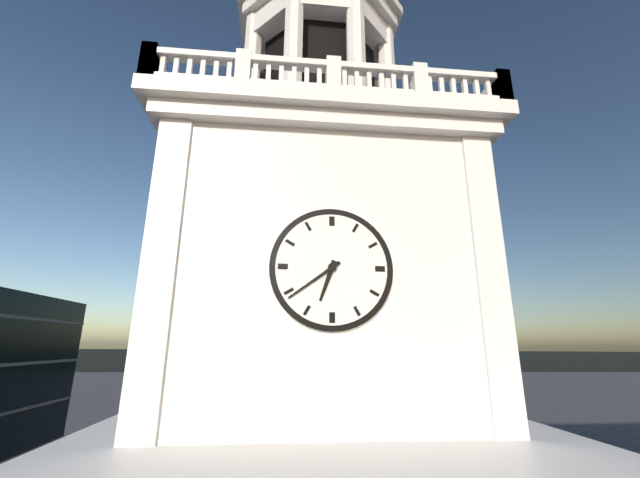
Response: 6:39
